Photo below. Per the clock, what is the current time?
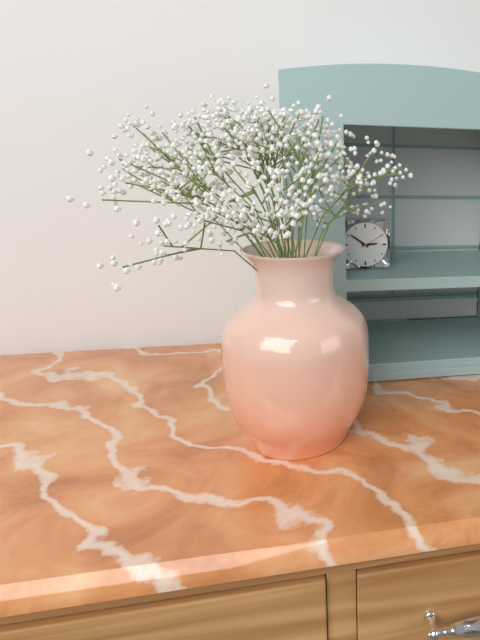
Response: 2:51
